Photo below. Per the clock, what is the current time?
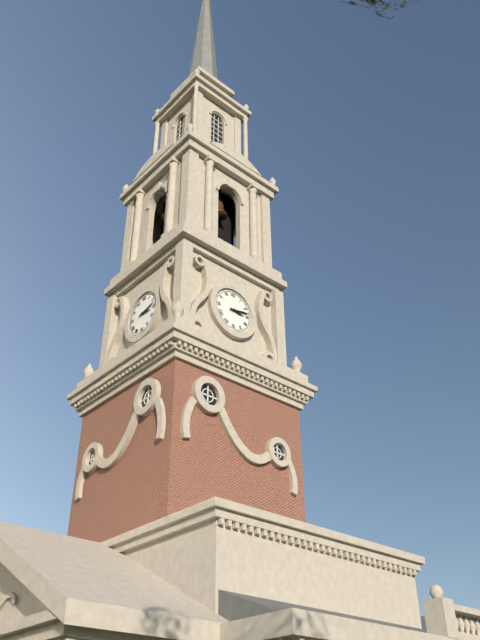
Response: 3:13
